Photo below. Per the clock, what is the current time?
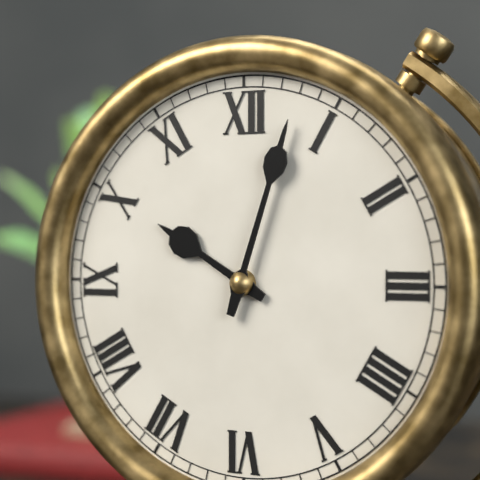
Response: 10:03
